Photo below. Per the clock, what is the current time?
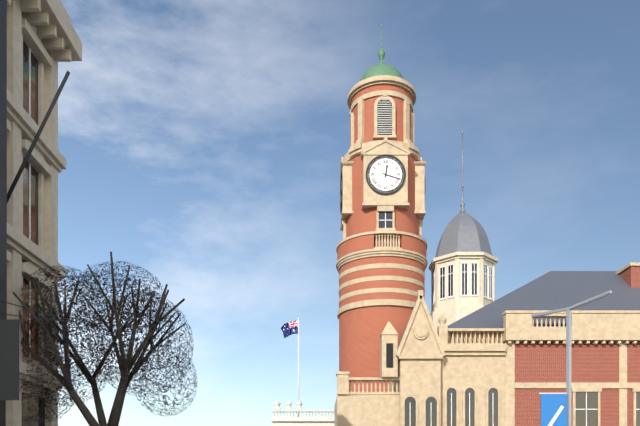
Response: 12:18
